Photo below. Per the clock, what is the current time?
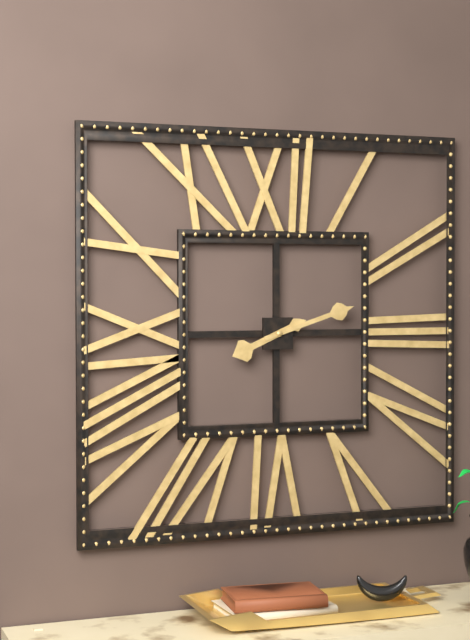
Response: 8:12
